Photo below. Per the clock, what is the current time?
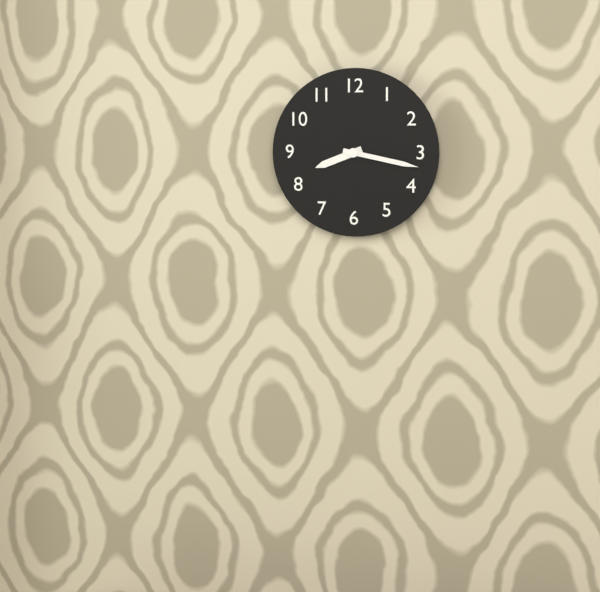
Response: 8:17
